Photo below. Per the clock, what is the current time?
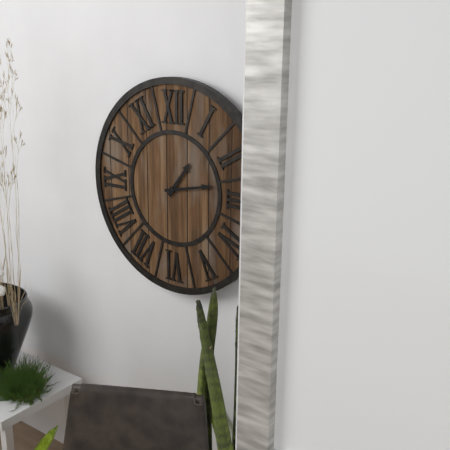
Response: 1:13
